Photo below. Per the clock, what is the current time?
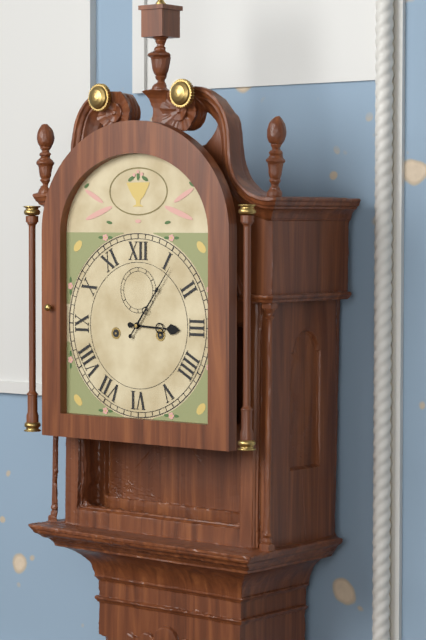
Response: 3:06
